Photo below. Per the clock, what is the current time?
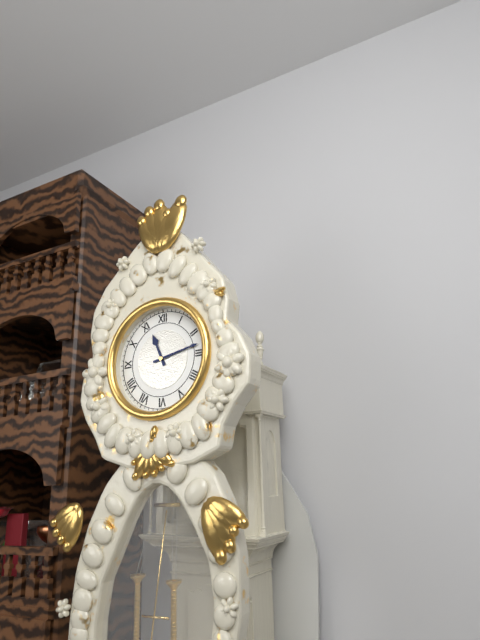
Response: 11:13
